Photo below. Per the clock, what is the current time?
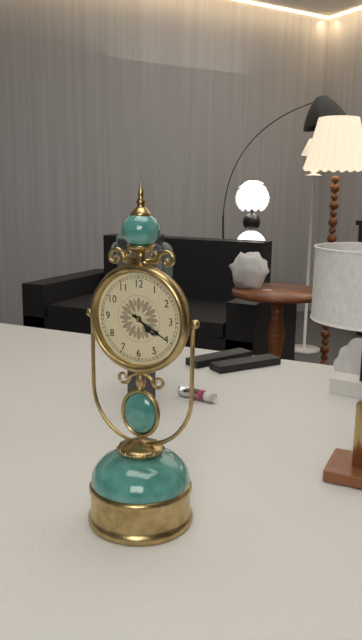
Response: 4:20
